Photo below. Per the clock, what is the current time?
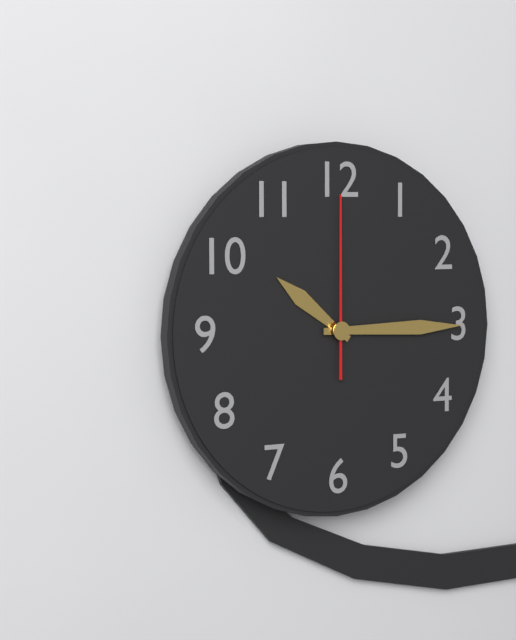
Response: 10:15:00
